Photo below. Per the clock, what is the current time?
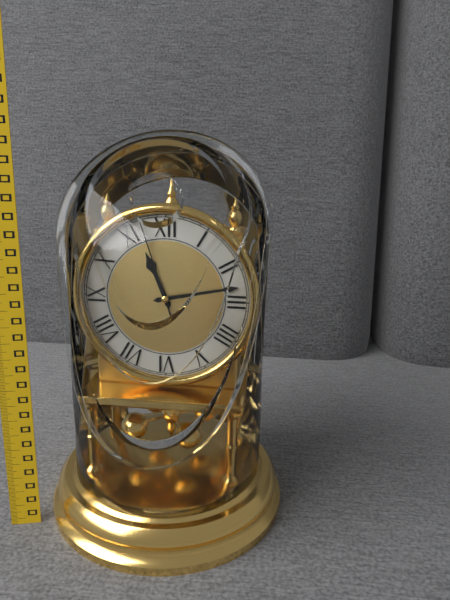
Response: 11:13:57
